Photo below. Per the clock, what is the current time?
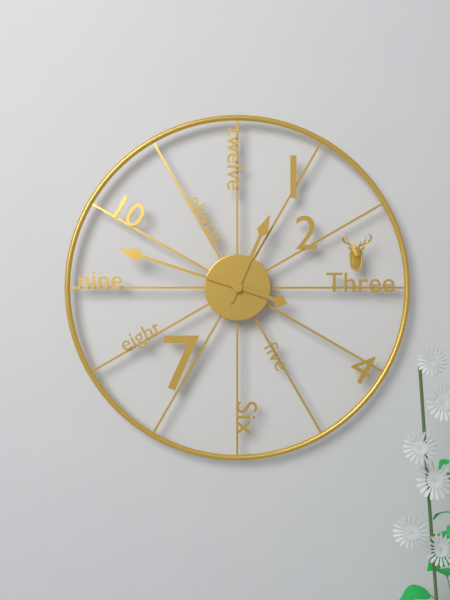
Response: 12:48
